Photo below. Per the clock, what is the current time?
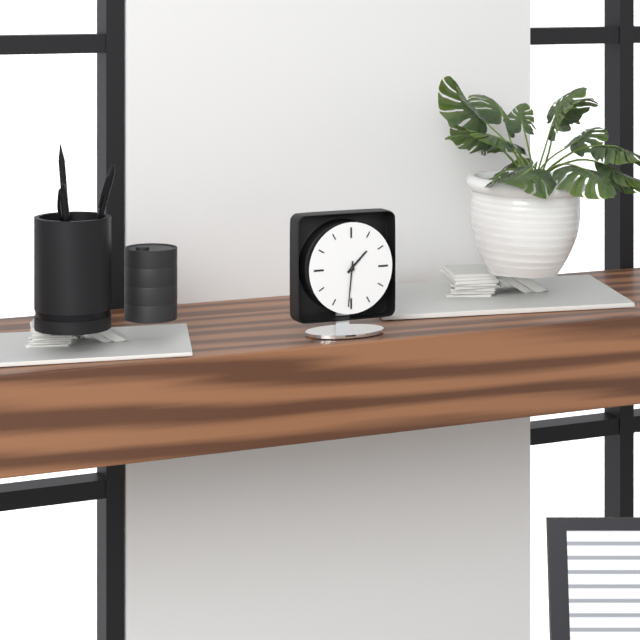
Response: 1:31
